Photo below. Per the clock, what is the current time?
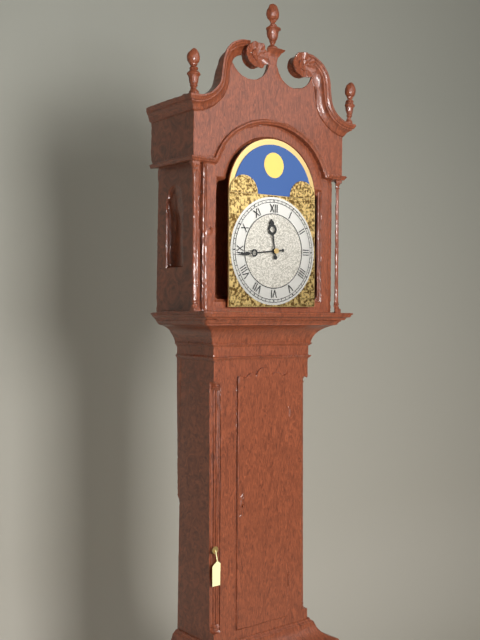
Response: 11:44
